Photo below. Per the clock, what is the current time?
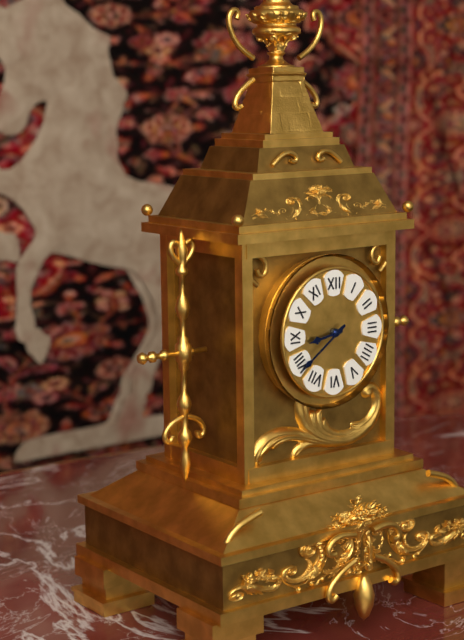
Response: 8:39
